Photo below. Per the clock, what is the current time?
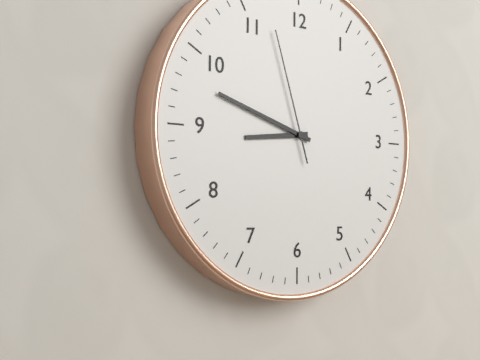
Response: 8:48:57
